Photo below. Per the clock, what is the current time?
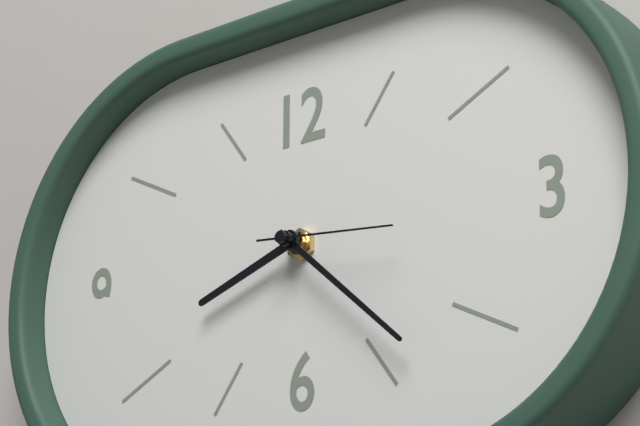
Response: 8:22:16
